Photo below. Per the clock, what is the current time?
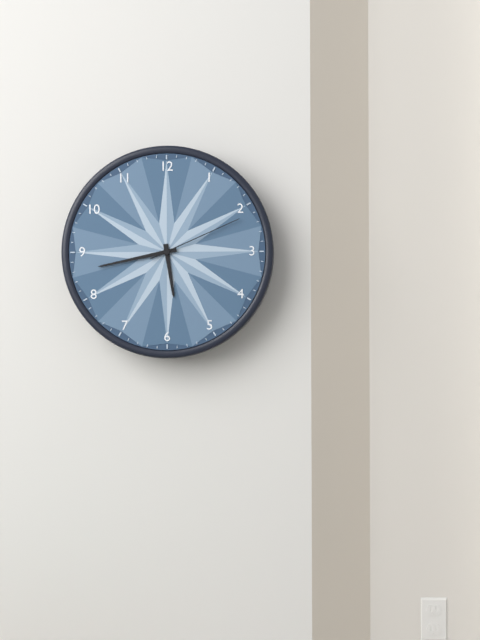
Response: 5:43:11
